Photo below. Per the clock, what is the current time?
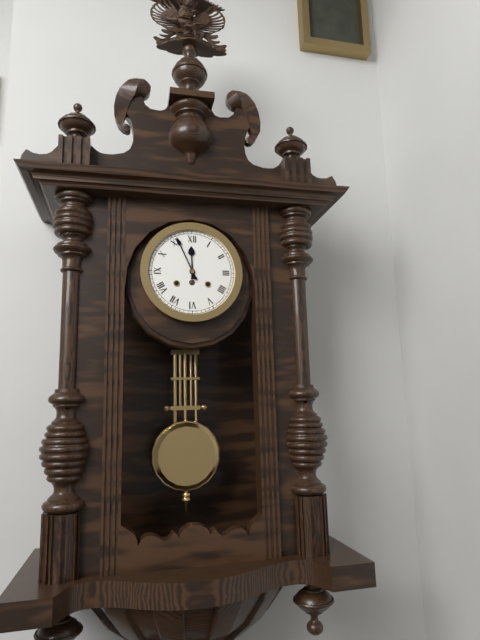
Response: 11:56
